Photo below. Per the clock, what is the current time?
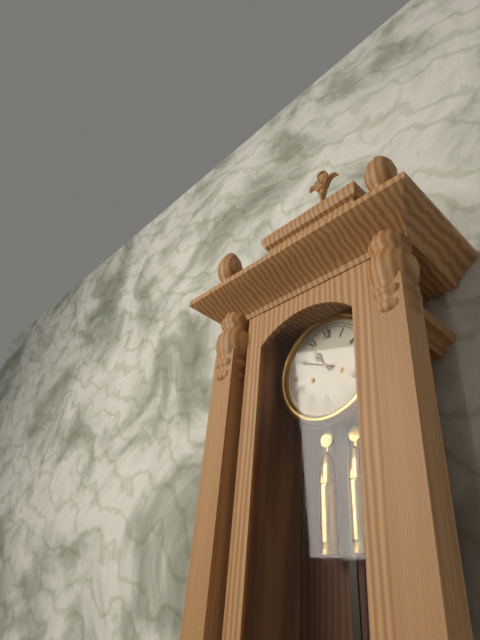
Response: 10:49
